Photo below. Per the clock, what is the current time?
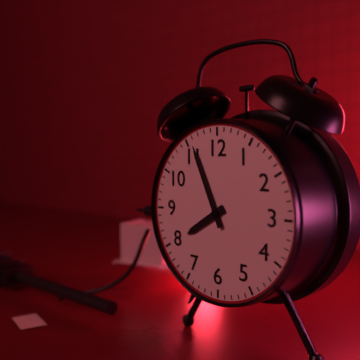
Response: 7:56
